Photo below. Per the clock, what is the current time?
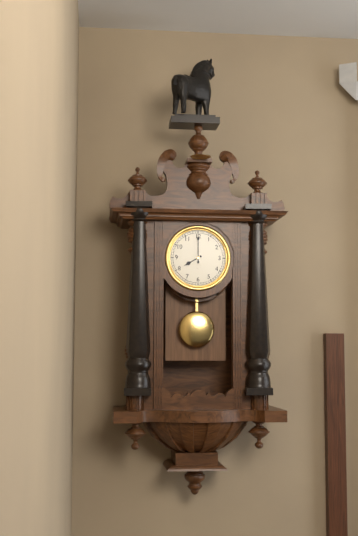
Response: 8:00
